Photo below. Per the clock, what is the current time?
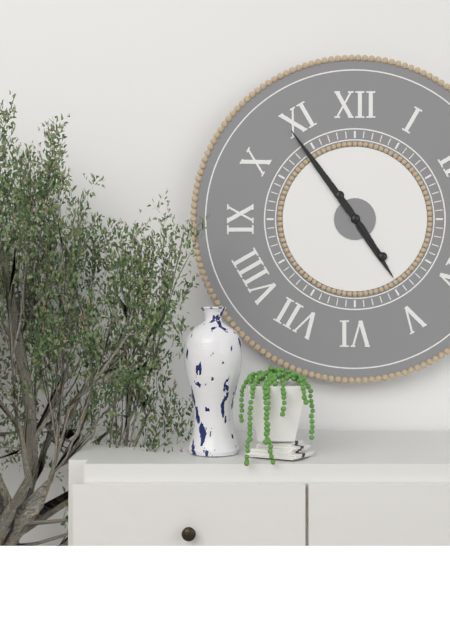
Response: 4:54
